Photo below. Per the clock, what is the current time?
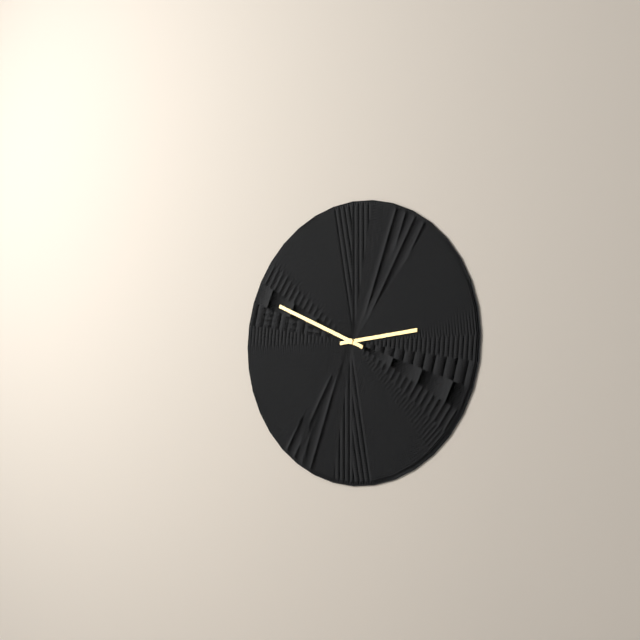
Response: 2:49
